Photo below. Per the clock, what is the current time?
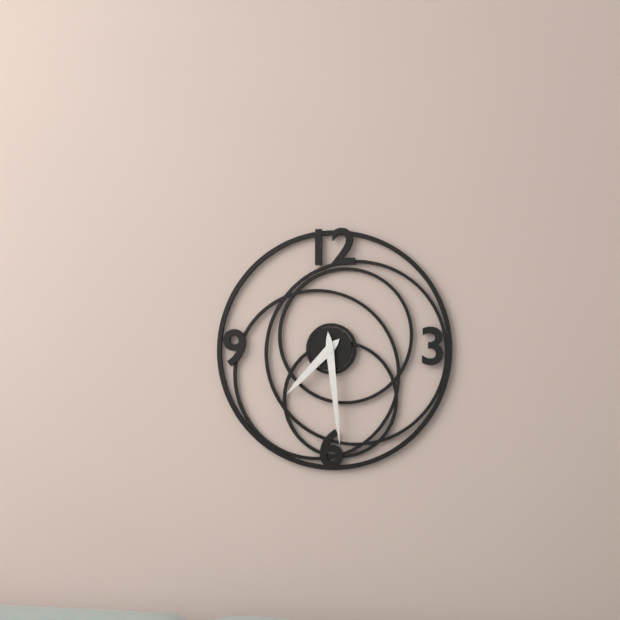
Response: 7:29
